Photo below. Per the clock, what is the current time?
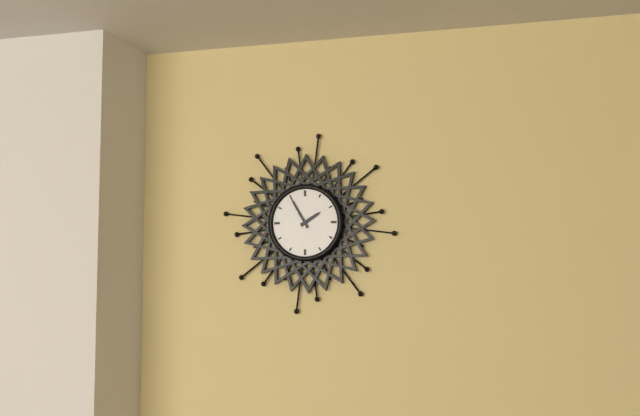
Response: 1:55
